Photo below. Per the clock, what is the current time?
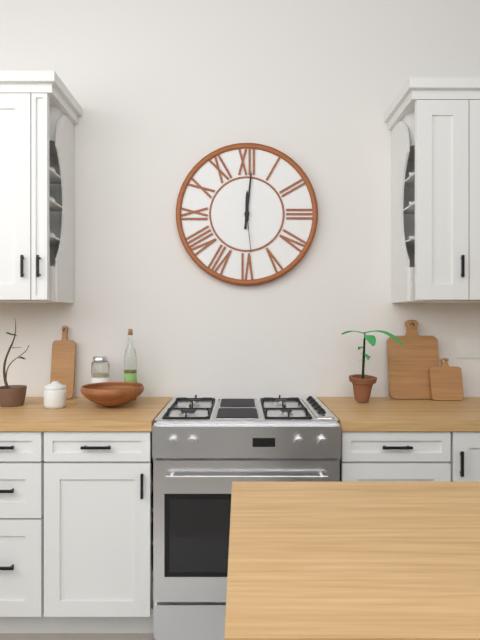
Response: 12:01
